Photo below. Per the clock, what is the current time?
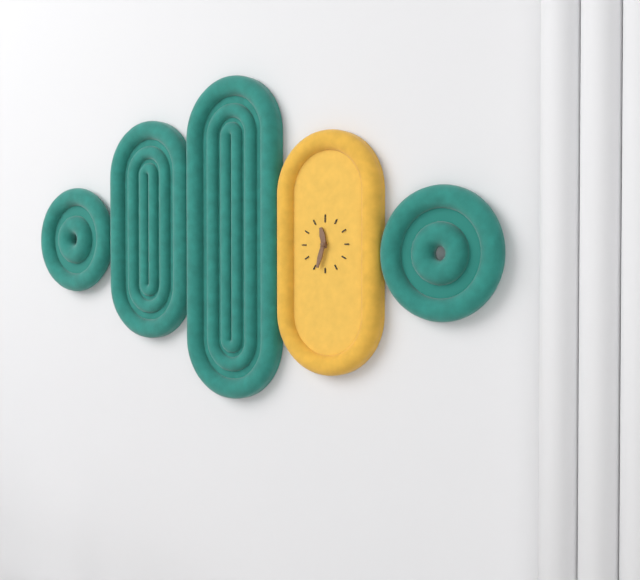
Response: 11:33
